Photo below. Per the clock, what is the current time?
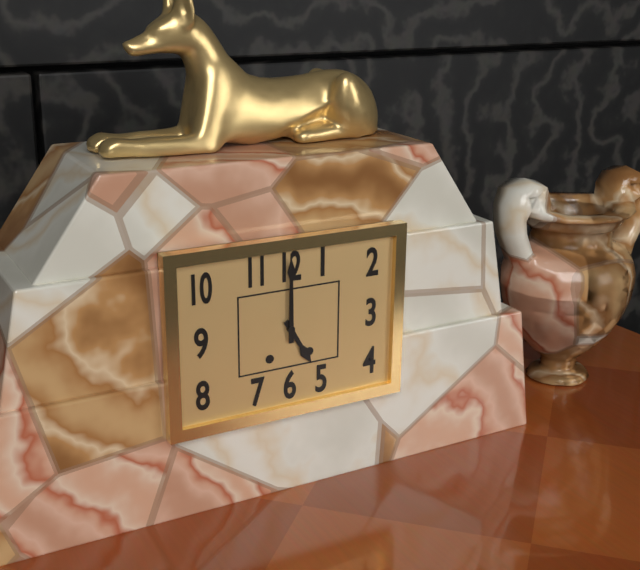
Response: 5:00
